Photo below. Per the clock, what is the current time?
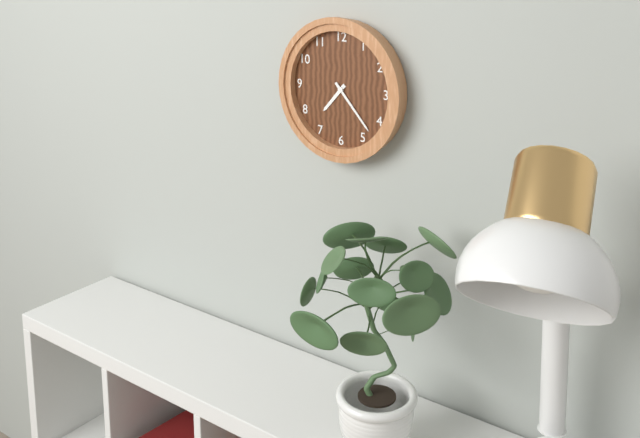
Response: 7:23
